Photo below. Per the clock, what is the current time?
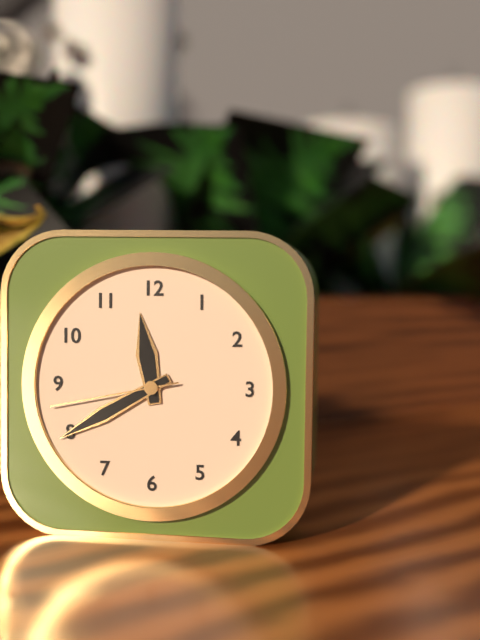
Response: 11:40:43
